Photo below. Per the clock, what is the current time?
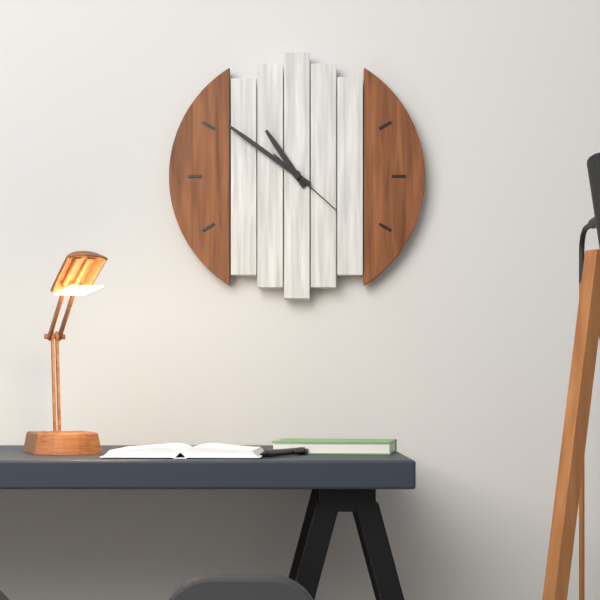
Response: 10:51:22
